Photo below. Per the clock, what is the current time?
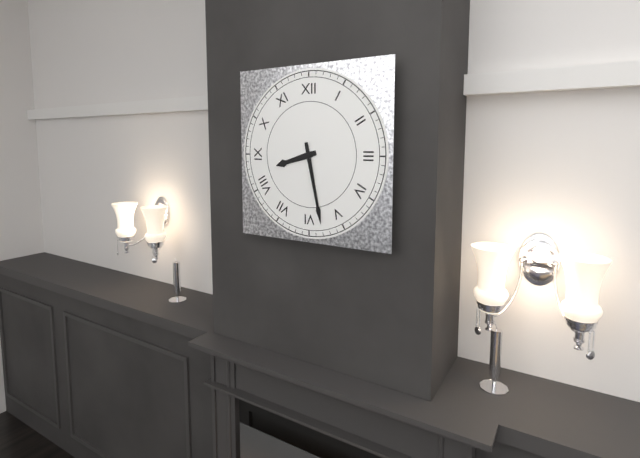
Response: 8:28
